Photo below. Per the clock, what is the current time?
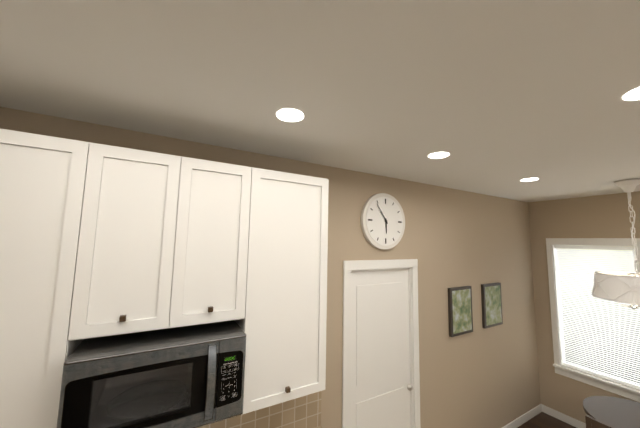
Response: 5:54
